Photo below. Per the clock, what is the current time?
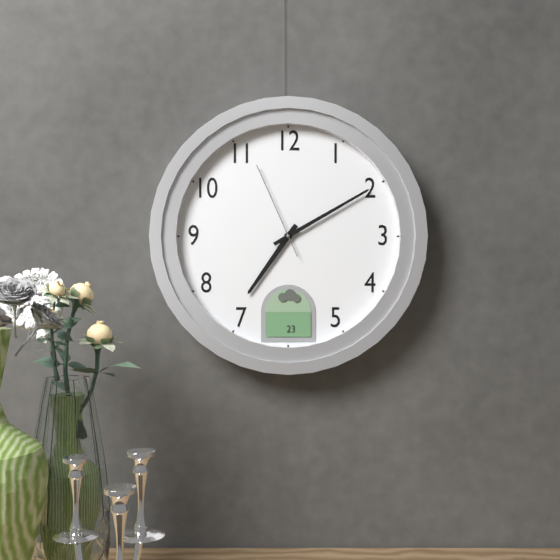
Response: 7:10:56
